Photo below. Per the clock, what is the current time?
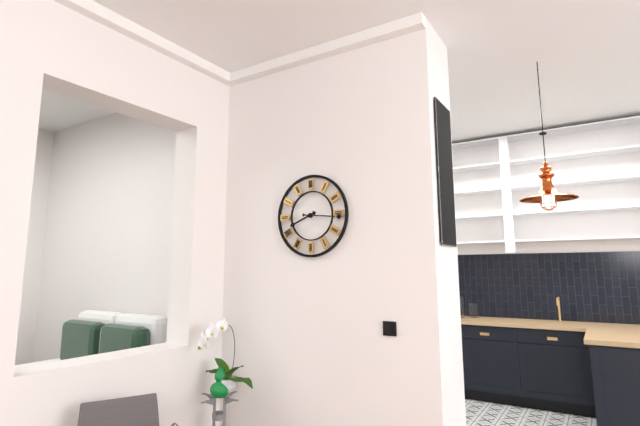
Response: 8:16
